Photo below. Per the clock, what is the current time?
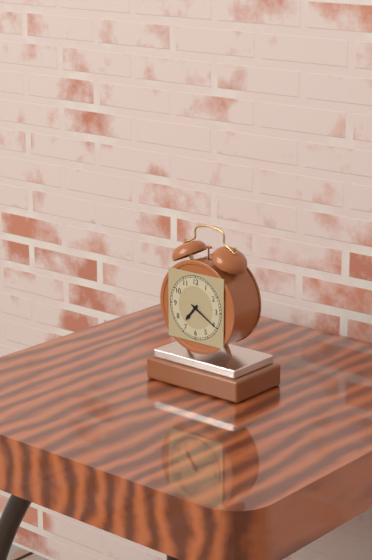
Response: 7:20
